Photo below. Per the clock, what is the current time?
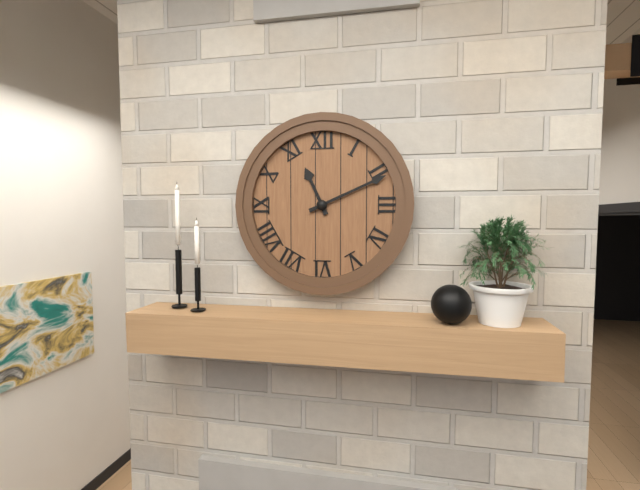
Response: 11:11
